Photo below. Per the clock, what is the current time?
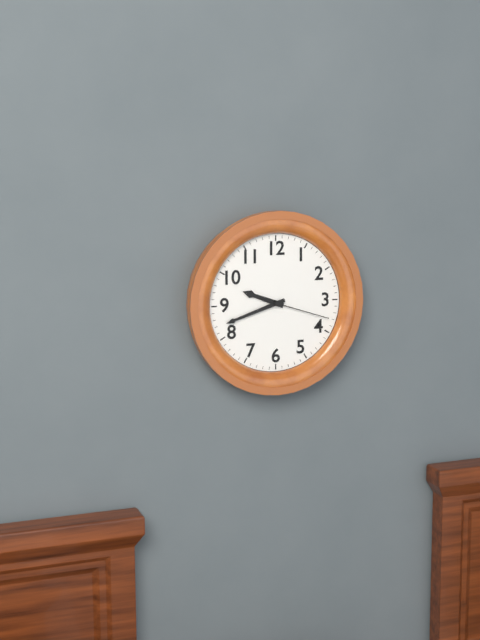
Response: 9:42:18
